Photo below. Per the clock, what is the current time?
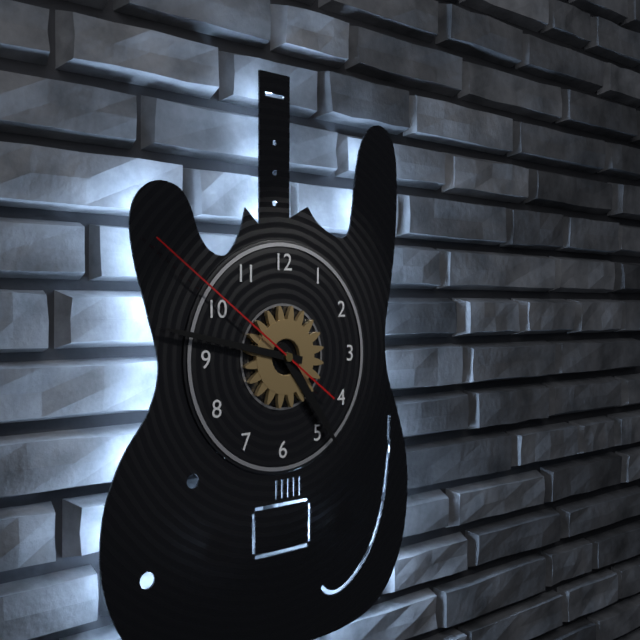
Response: 4:47:51
